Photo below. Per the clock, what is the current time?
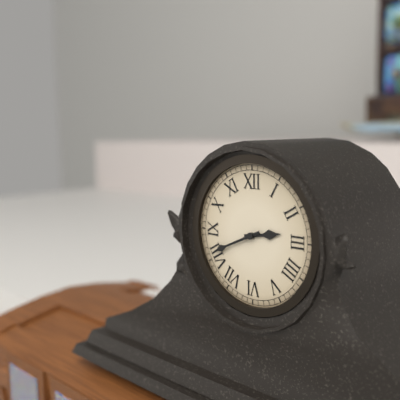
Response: 2:41
